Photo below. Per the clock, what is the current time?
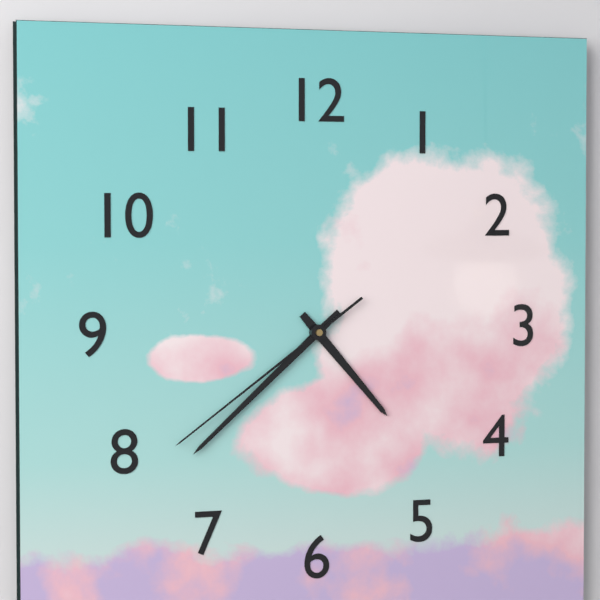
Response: 4:38:39
